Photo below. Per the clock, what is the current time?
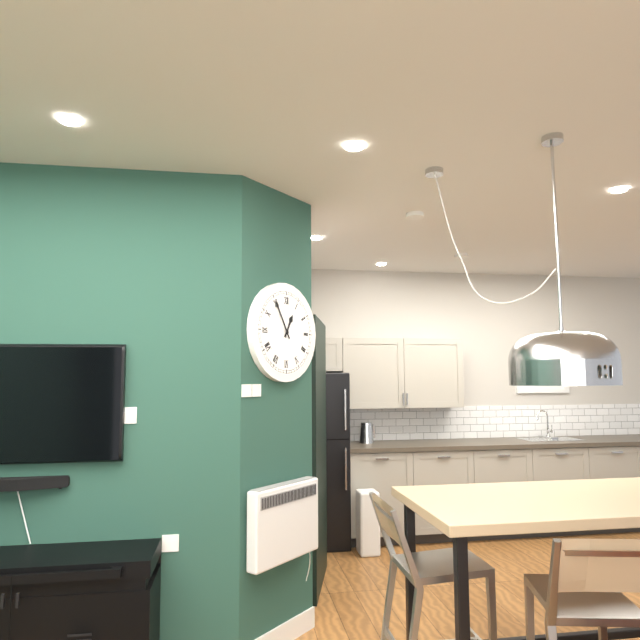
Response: 12:55
